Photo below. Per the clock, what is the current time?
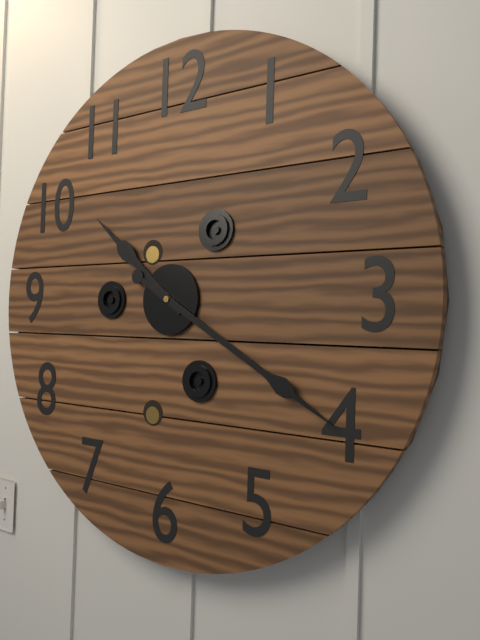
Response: 10:20
